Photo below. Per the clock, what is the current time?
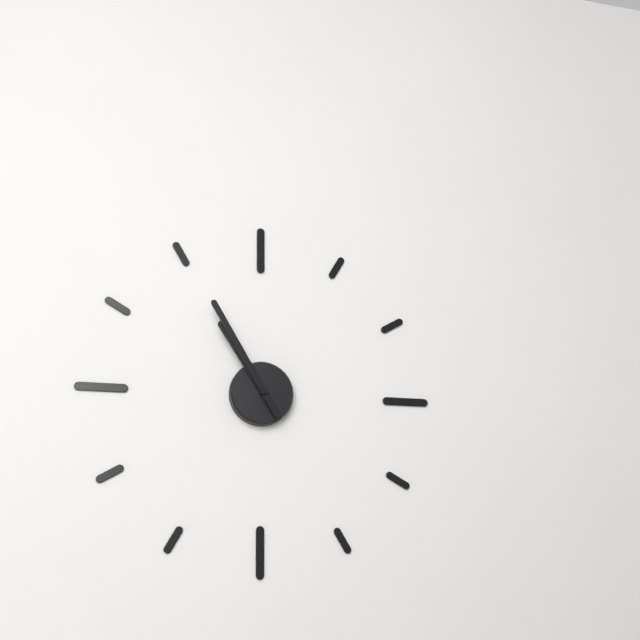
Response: 10:55
